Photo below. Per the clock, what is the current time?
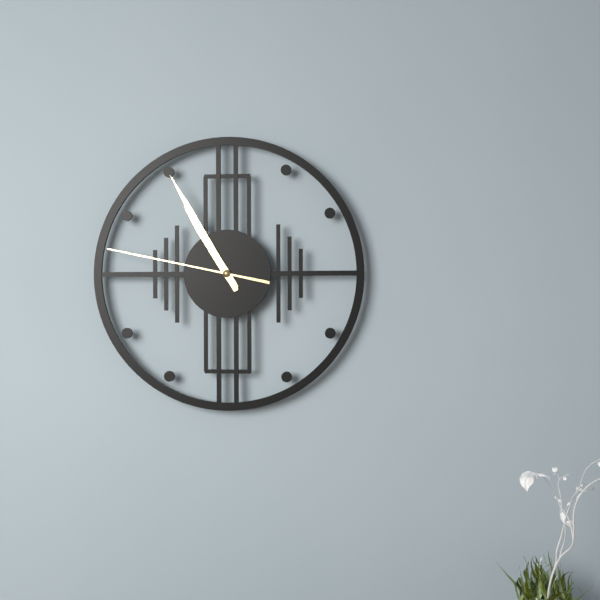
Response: 10:55:47
